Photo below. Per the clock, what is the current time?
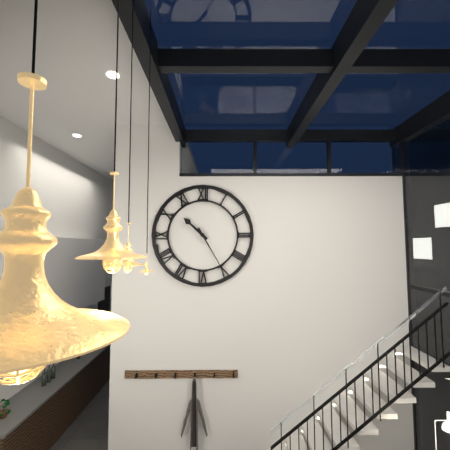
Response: 10:25
